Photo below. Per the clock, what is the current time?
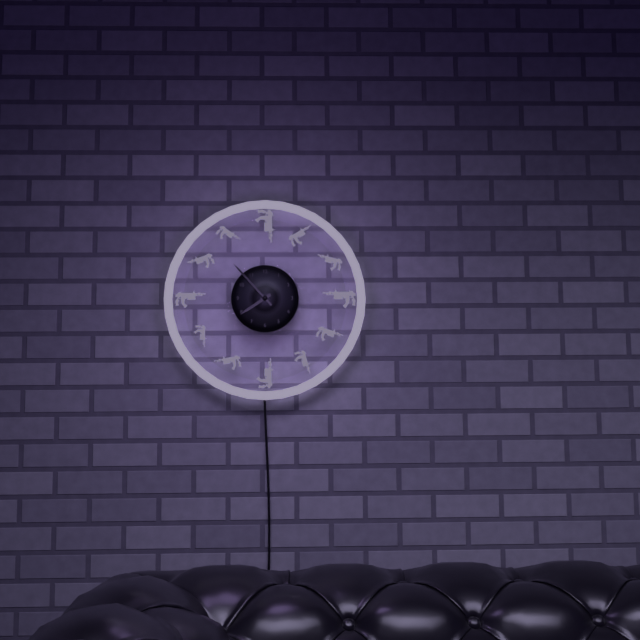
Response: 7:53
